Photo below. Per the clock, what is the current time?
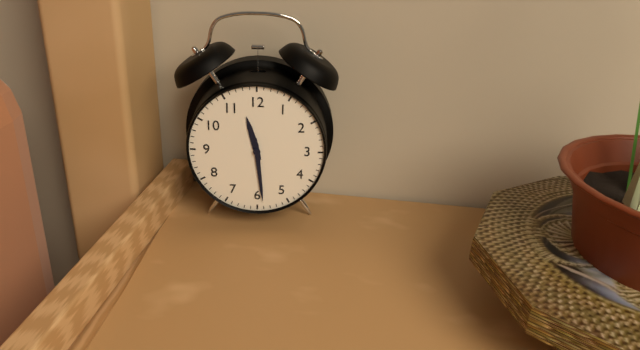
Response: 11:29
